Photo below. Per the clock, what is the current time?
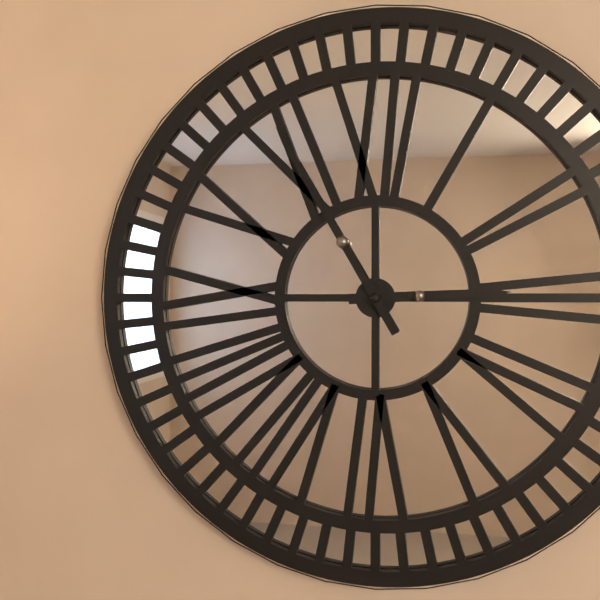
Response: 2:55
